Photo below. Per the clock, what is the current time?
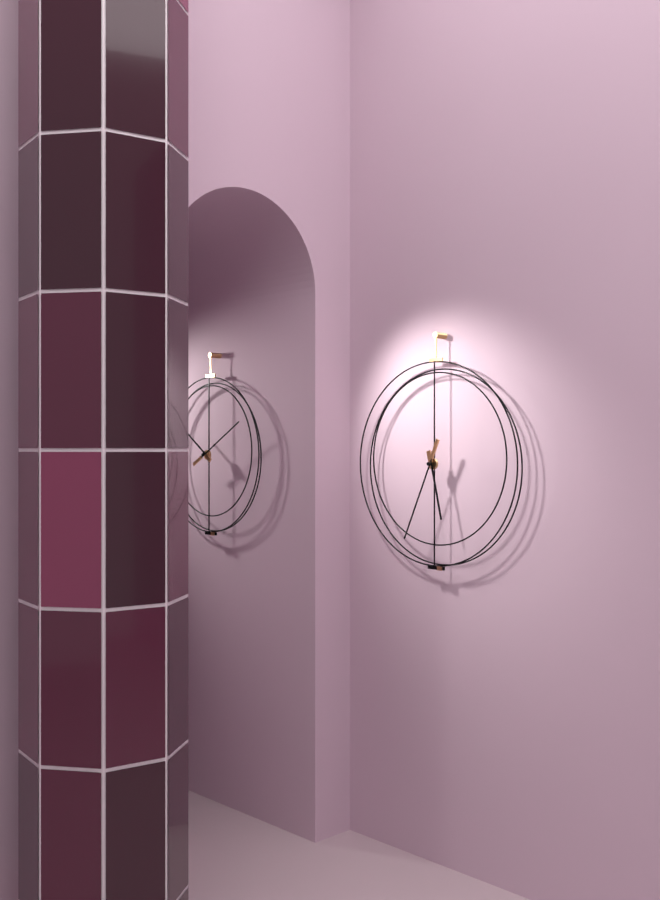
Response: 5:34
